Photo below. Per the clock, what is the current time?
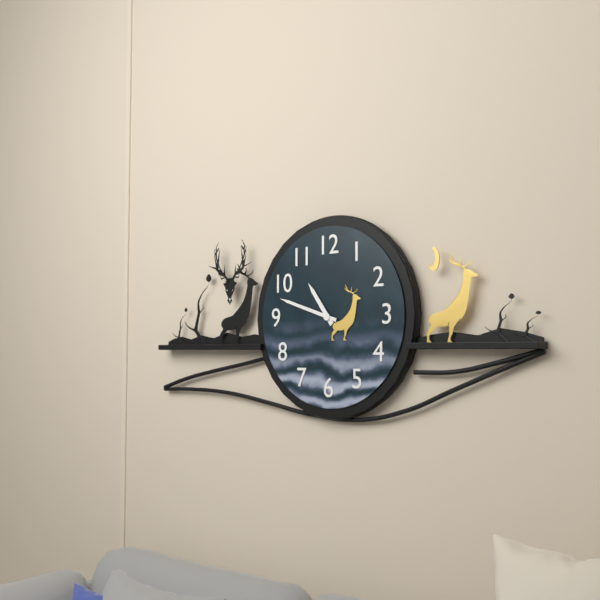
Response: 10:48
